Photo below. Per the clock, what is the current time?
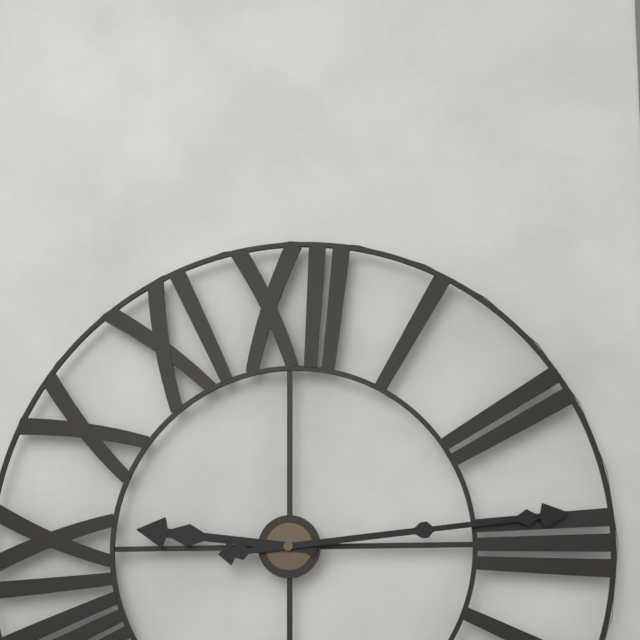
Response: 9:14
